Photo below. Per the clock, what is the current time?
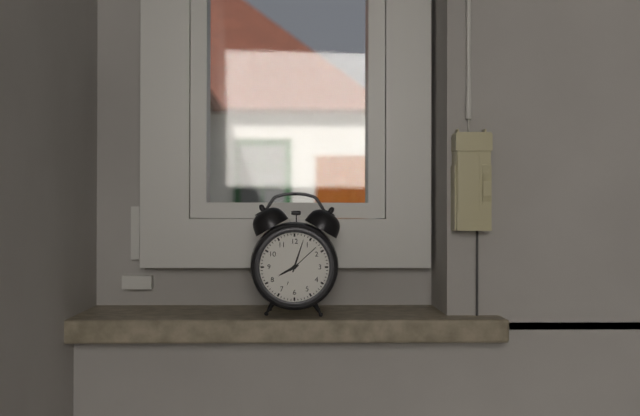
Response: 8:03
